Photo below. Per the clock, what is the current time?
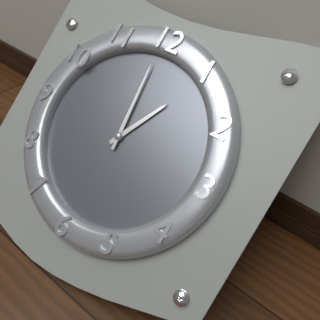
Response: 12:59
